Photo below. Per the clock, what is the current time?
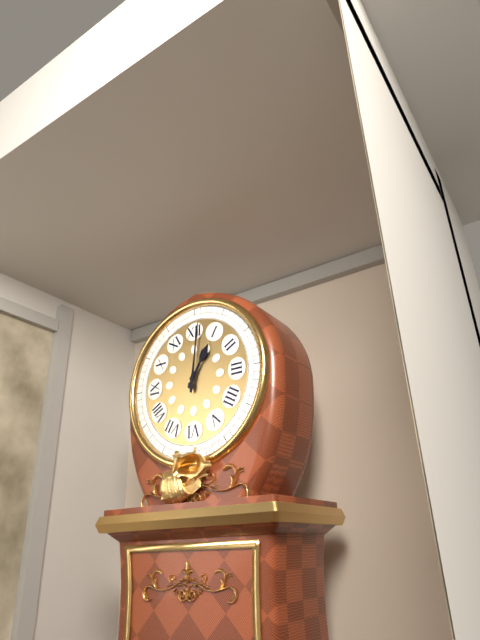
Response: 1:01
